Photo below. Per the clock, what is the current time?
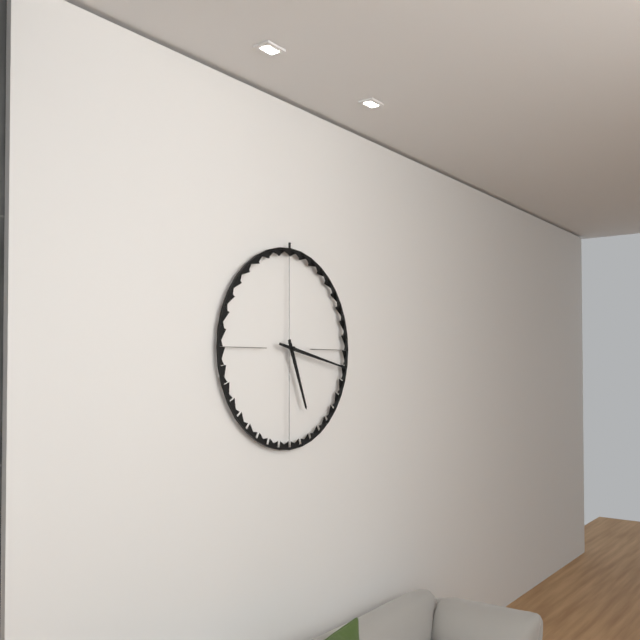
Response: 5:17
